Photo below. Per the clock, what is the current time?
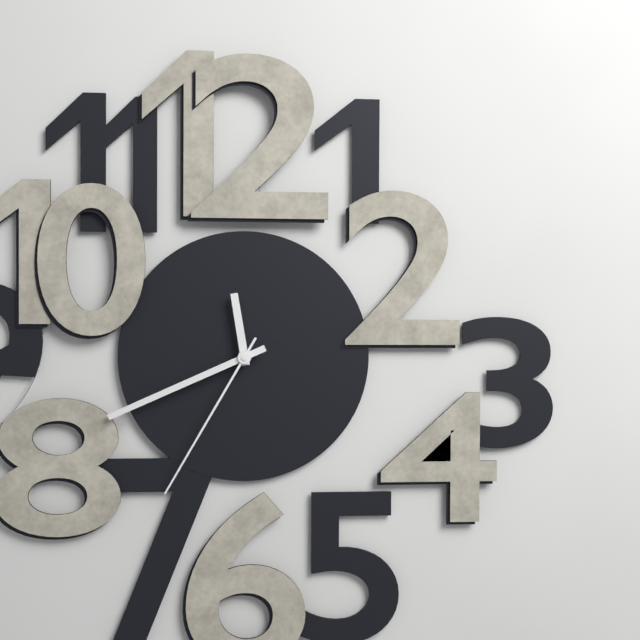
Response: 11:41:35
